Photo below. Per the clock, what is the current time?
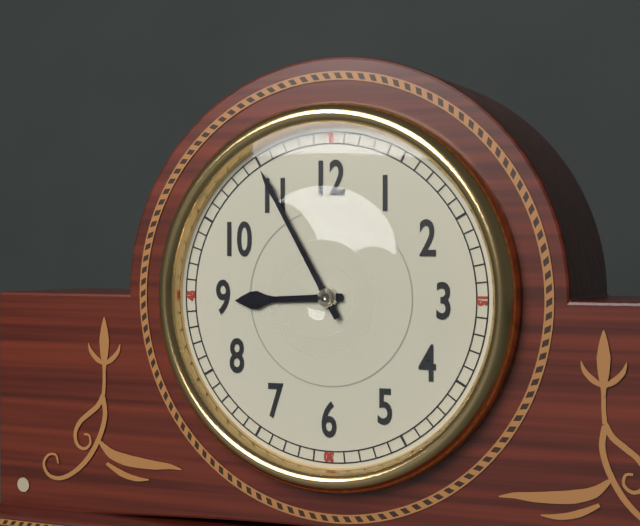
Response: 8:55
